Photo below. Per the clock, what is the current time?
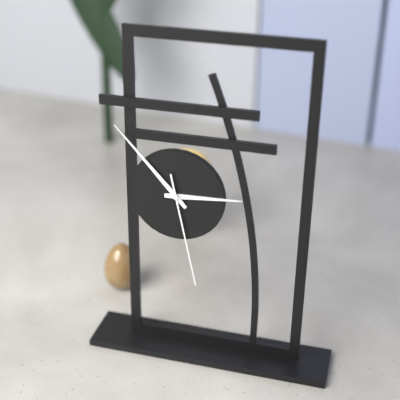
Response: 2:53:28
